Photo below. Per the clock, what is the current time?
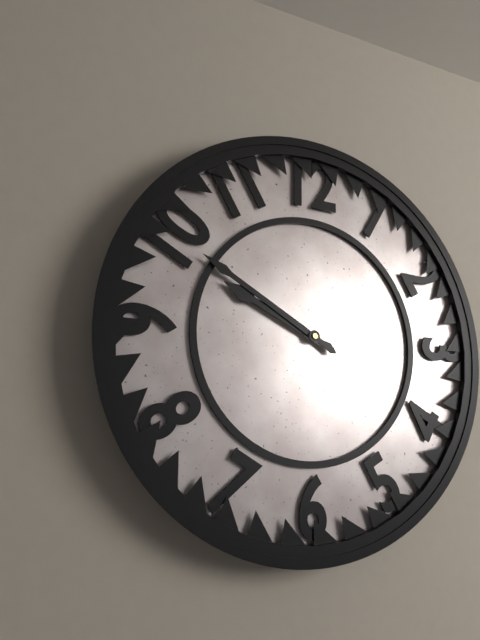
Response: 9:50
